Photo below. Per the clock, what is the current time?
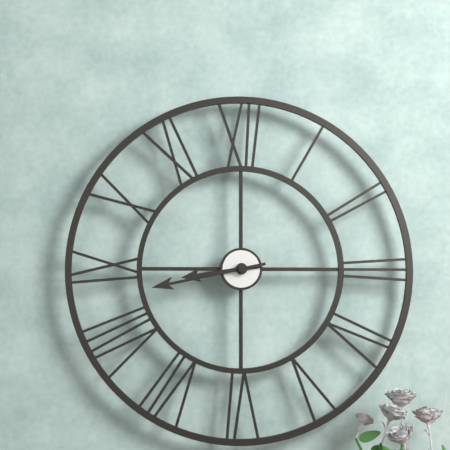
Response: 8:43
